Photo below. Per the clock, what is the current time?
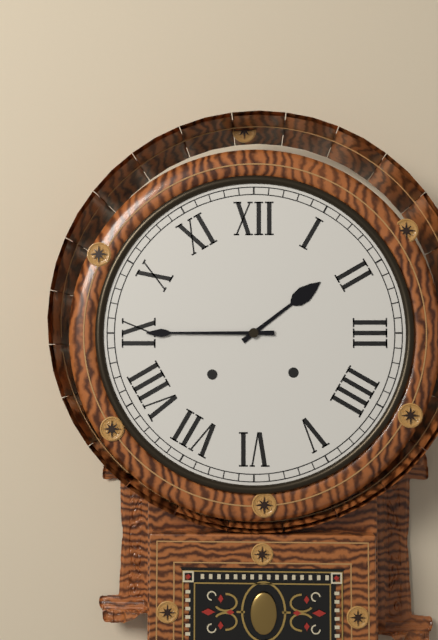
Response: 1:45
